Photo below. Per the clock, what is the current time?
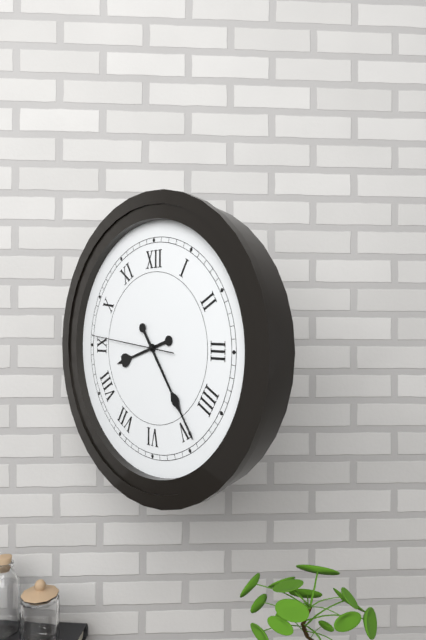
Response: 8:24:46
